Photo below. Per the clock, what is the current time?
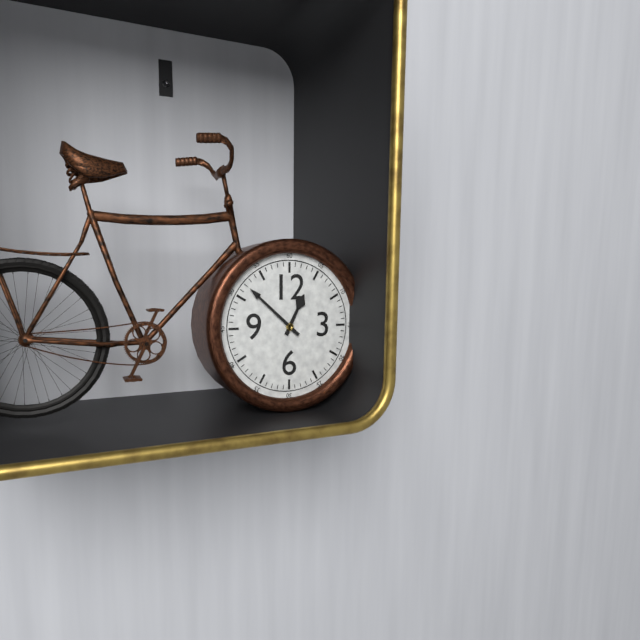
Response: 12:52
